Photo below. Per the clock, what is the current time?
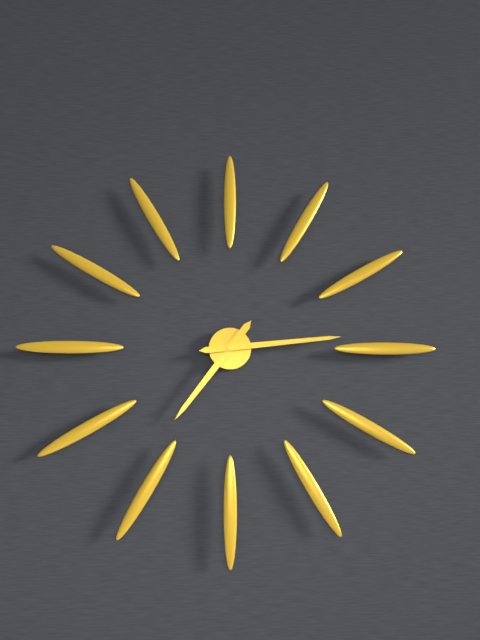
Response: 7:14
